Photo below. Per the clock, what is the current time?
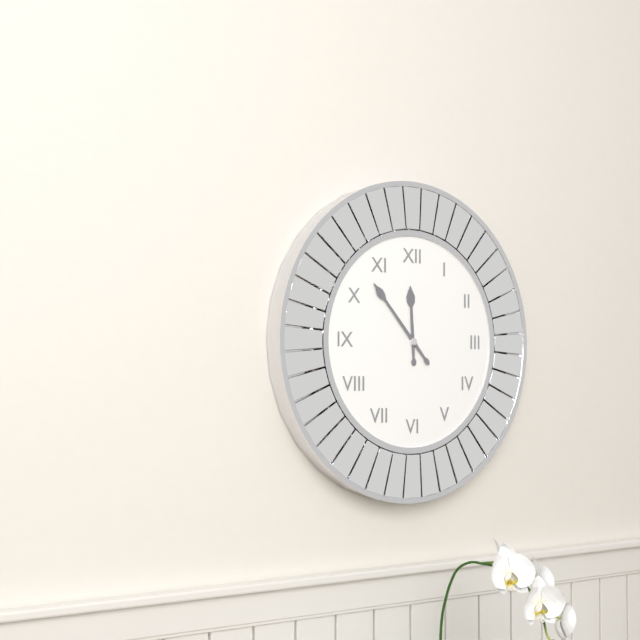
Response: 11:53
